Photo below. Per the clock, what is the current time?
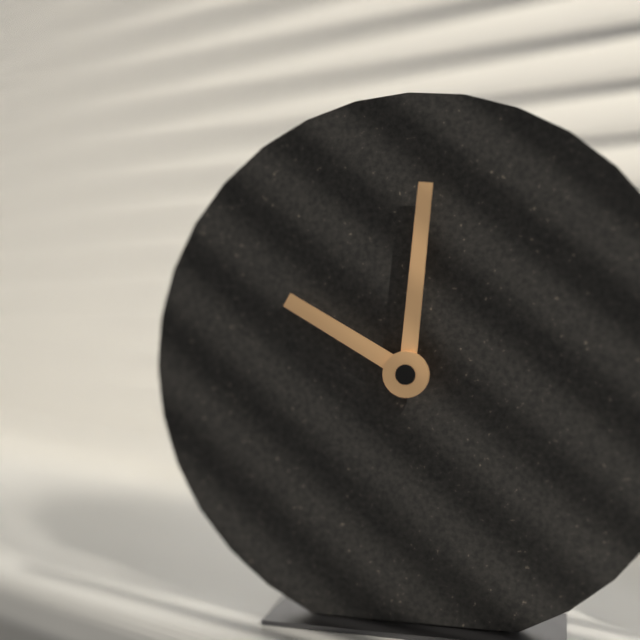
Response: 10:01
